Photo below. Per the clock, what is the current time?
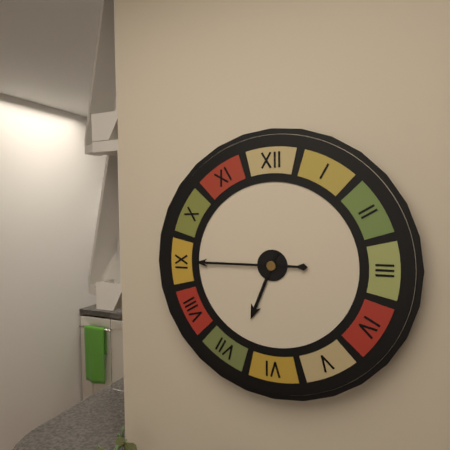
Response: 6:45
